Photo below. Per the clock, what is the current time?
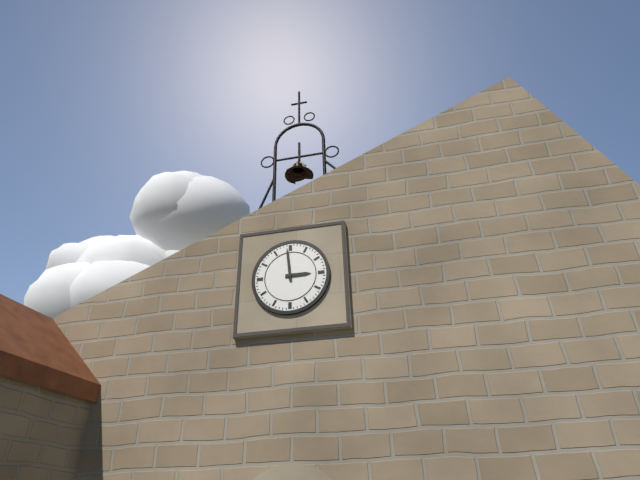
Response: 2:59
